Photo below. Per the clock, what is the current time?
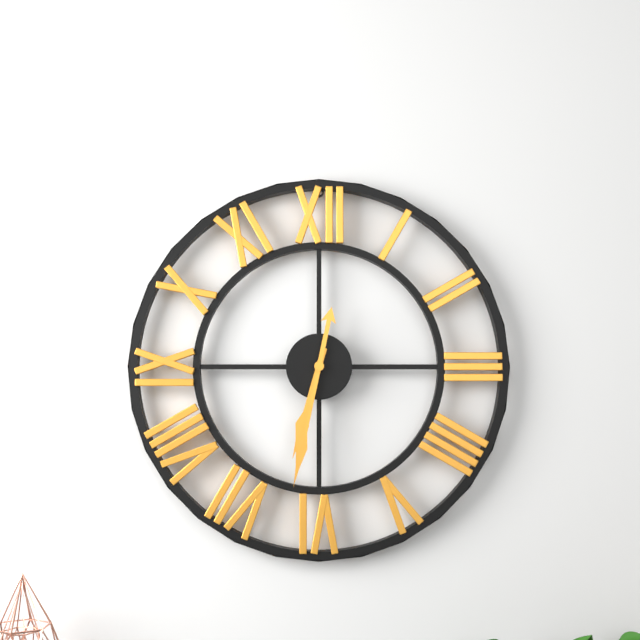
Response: 6:32
